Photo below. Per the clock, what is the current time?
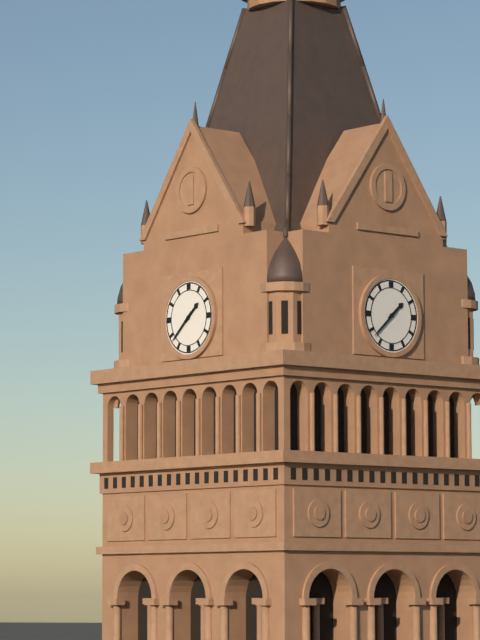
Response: 1:38
